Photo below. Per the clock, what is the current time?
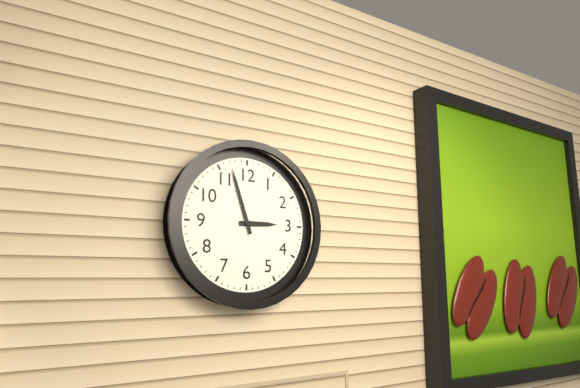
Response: 2:57
